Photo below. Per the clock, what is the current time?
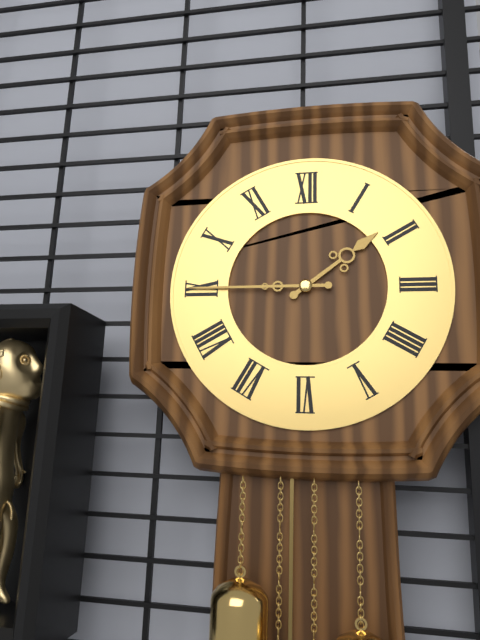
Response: 1:45
